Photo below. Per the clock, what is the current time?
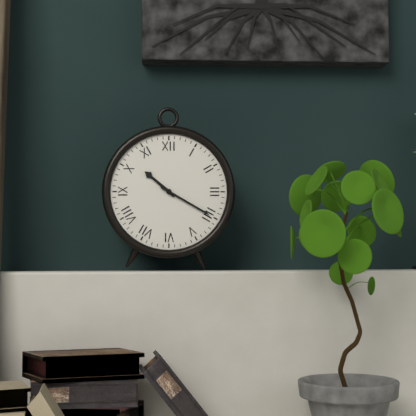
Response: 10:20
